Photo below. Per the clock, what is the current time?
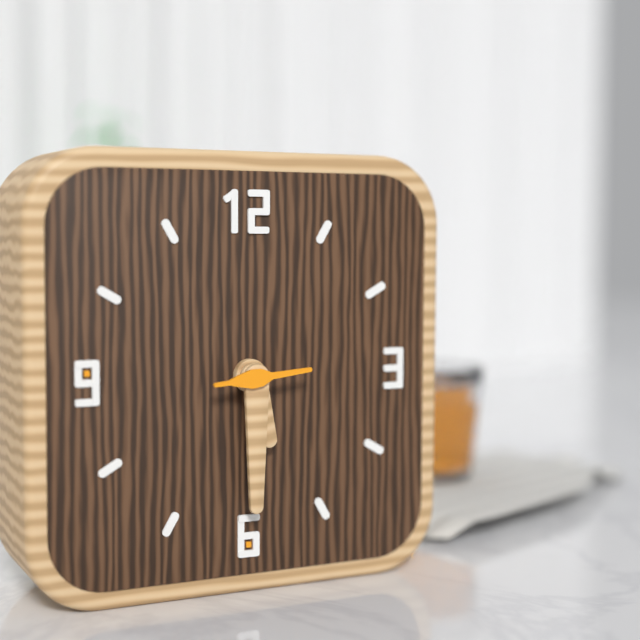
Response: 5:30:14
